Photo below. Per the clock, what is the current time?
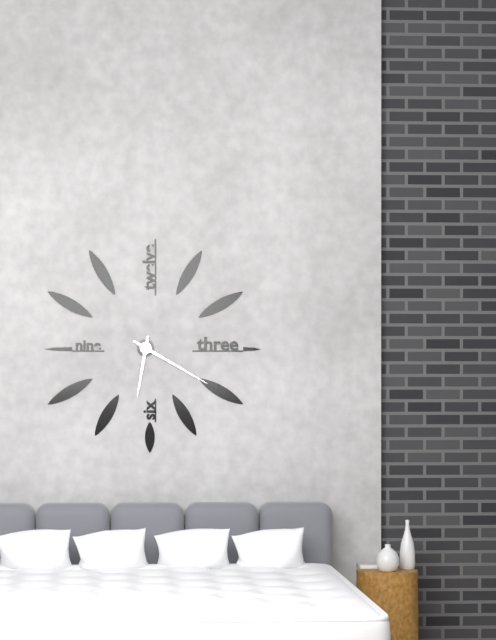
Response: 6:20
